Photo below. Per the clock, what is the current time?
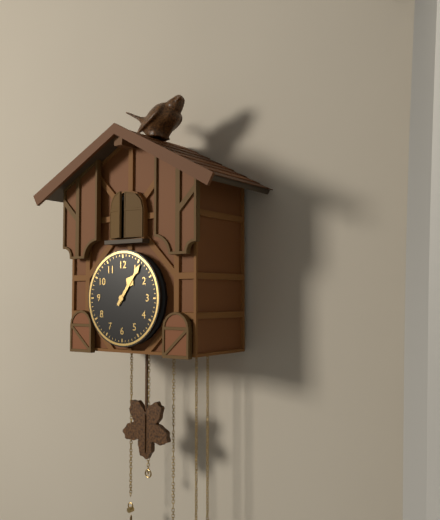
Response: 1:06
